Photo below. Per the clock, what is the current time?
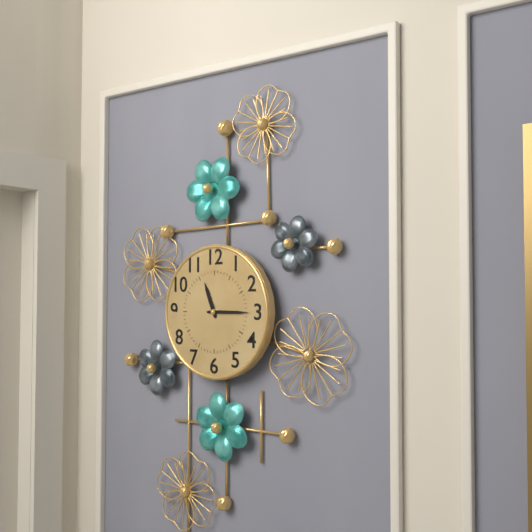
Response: 11:15
